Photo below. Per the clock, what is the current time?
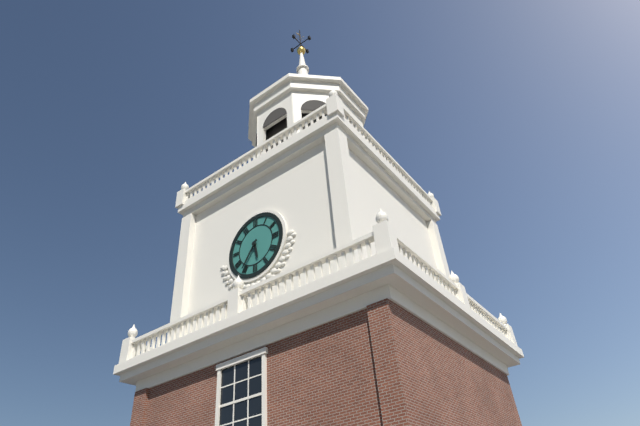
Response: 5:36
